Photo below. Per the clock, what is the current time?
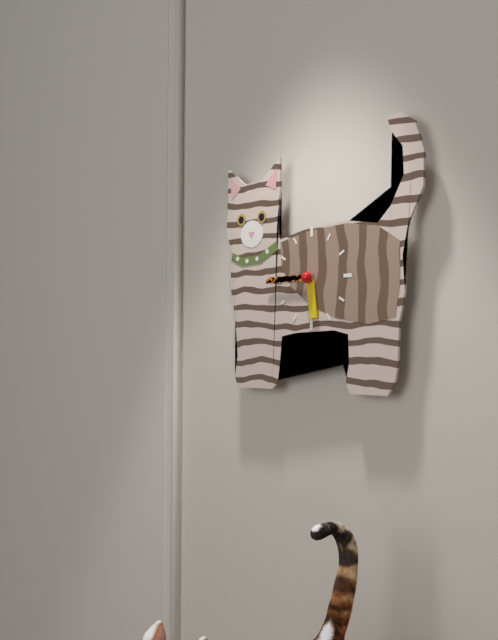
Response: 5:45
